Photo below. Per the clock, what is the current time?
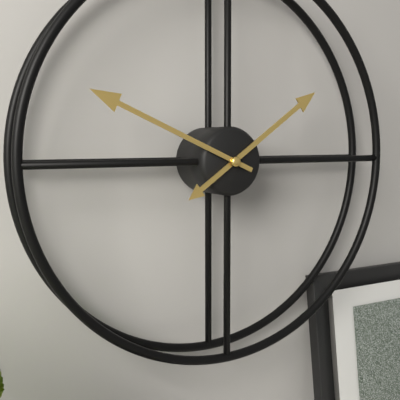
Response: 1:49
